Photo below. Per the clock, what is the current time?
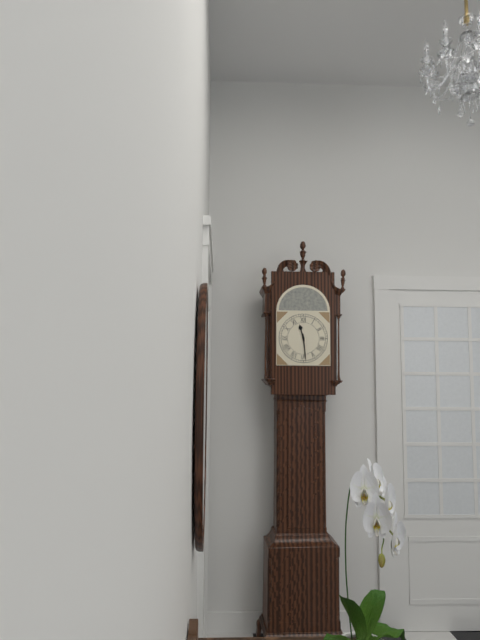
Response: 11:29
